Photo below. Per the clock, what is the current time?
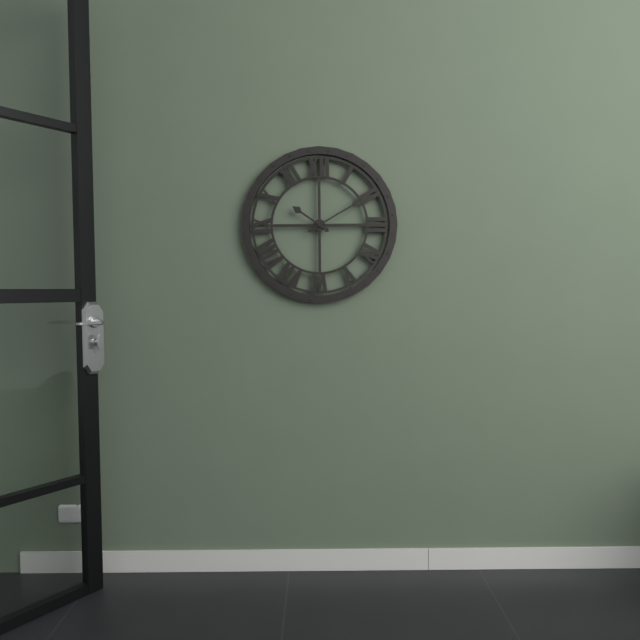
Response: 10:10
